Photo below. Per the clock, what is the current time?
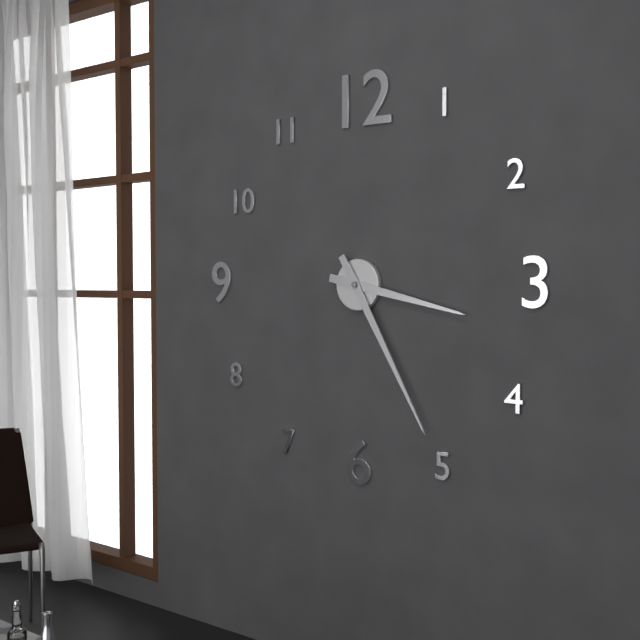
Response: 3:25
